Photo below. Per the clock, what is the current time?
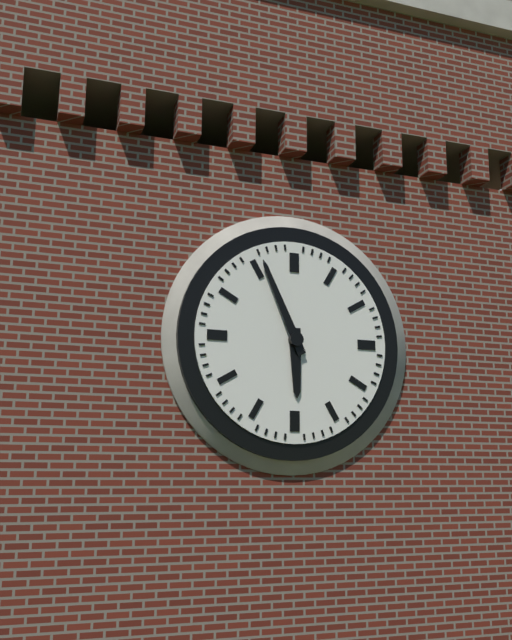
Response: 5:56
